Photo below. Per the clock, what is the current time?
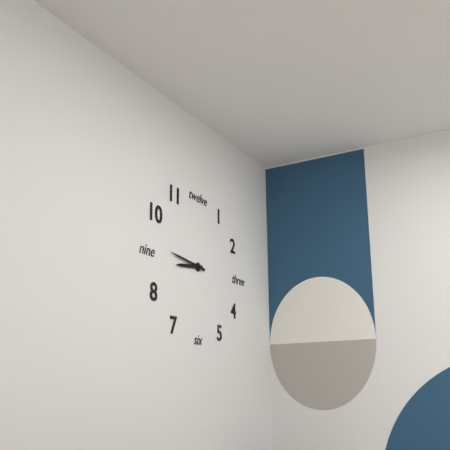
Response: 8:46
